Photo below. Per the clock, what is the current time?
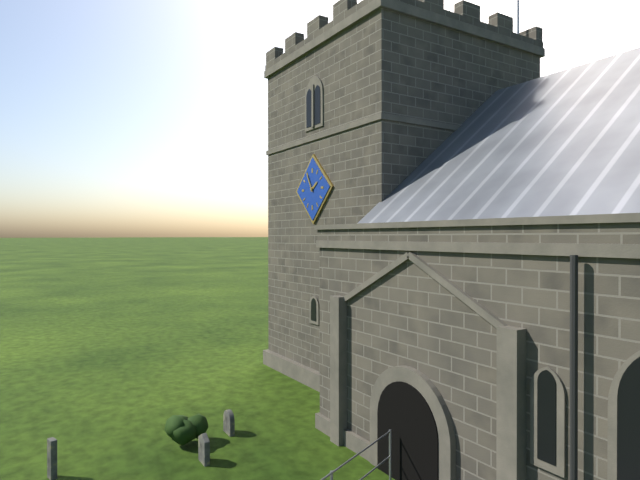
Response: 1:55
